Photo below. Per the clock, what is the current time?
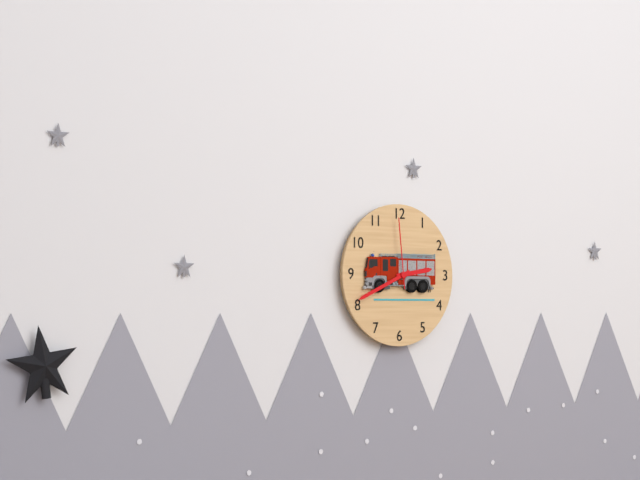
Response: 2:41:59
